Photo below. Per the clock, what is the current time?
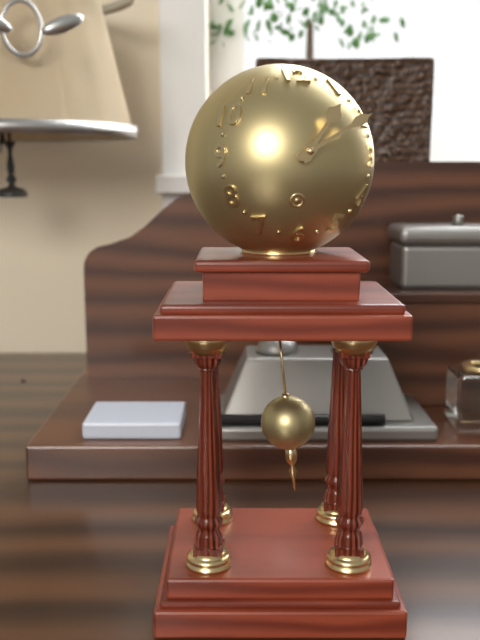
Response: 1:10
